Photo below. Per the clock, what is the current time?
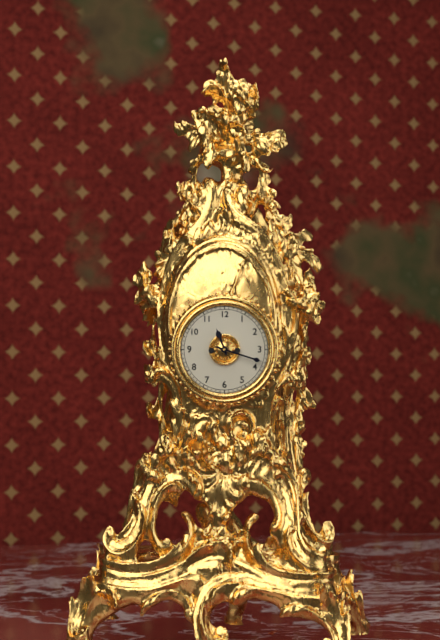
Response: 11:18
